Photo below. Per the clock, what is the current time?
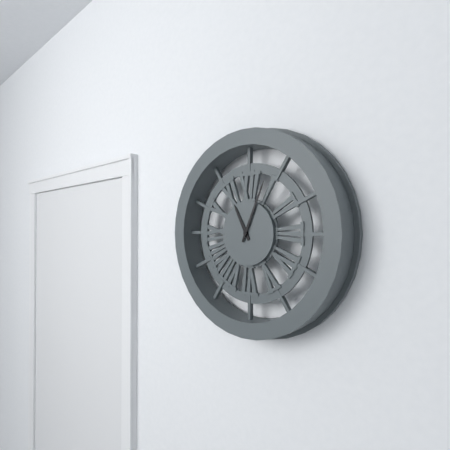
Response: 11:04
